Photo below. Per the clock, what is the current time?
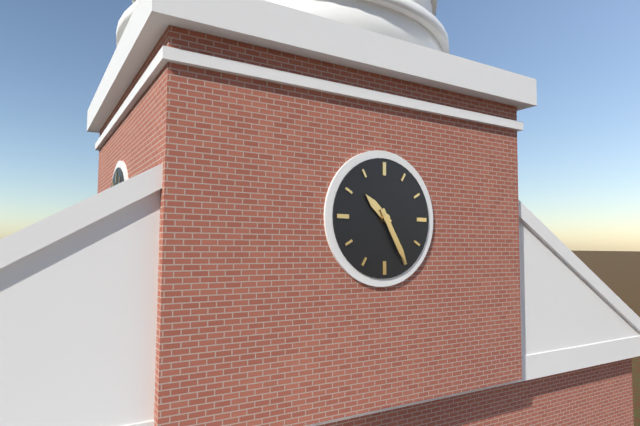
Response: 10:25
